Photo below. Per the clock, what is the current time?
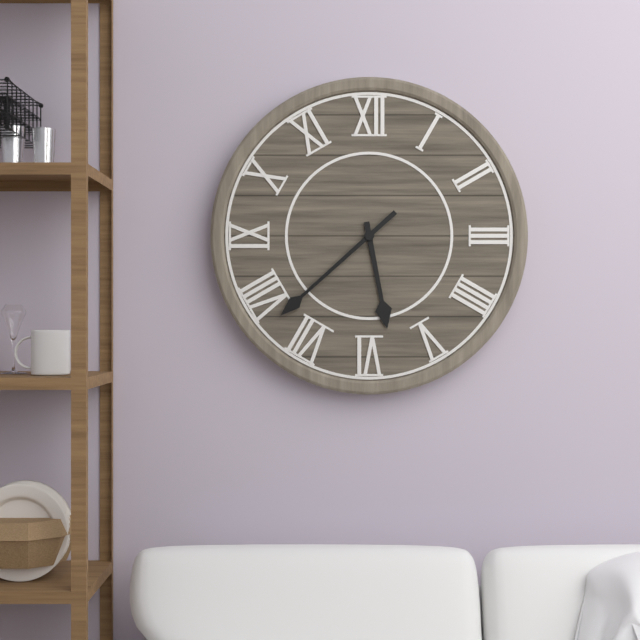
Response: 5:38
